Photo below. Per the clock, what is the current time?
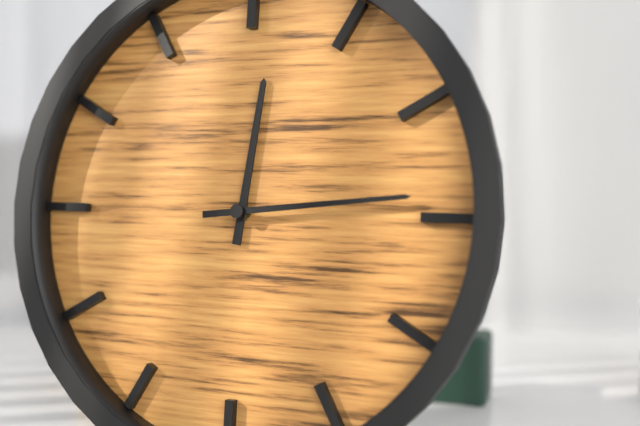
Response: 12:14
